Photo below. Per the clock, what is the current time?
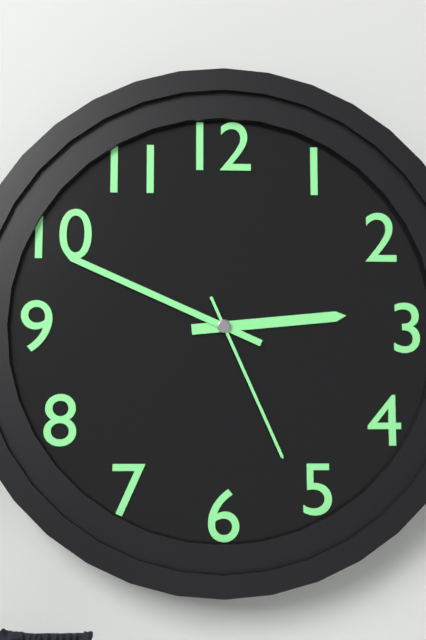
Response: 2:49:26
